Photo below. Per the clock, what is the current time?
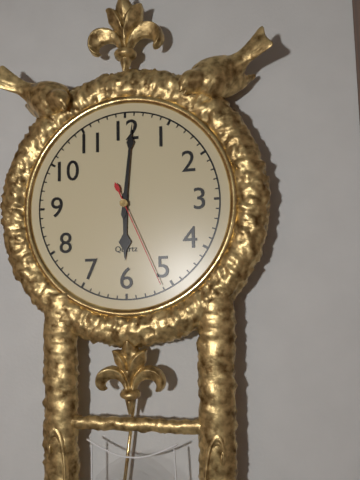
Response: 6:01:26
